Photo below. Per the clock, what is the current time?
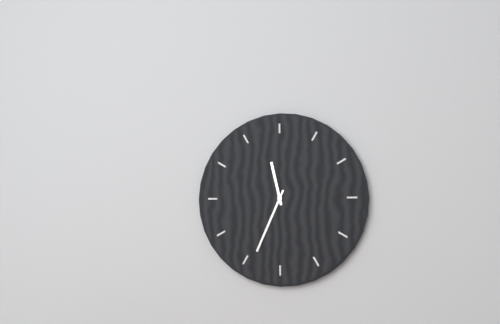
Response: 11:34
